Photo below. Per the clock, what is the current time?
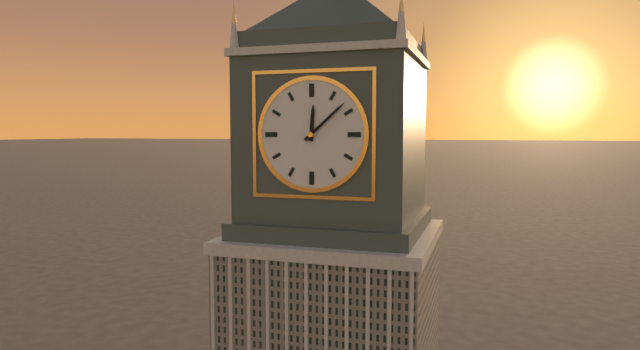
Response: 12:08
